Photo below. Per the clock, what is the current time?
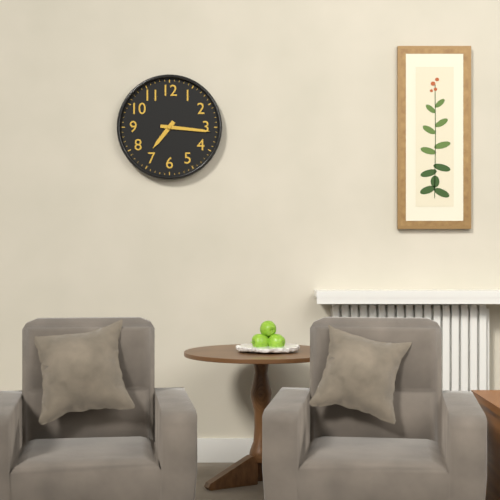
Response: 7:16
